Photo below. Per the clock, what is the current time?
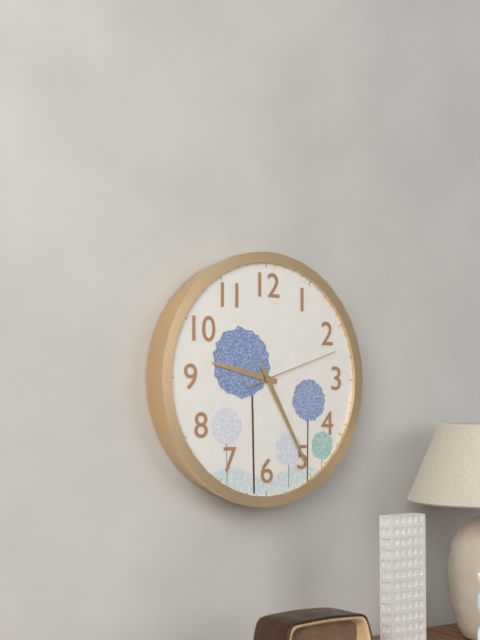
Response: 9:25:12
